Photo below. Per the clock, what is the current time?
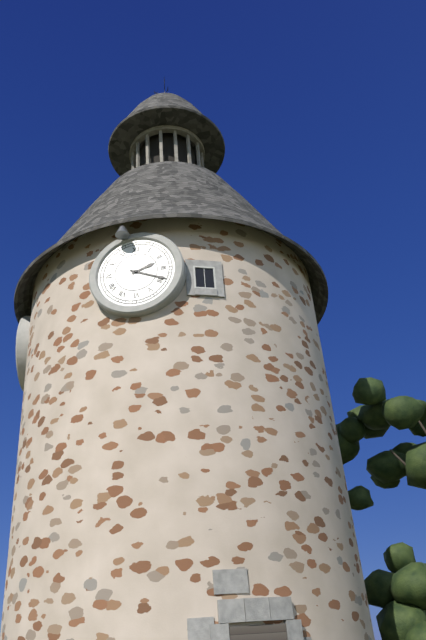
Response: 2:19
